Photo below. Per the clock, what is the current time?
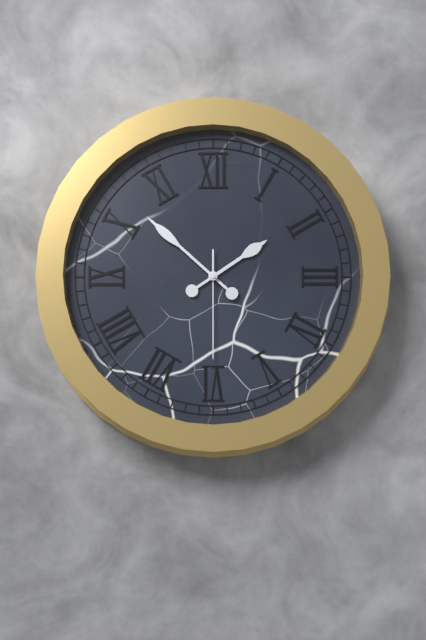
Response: 1:52:30
